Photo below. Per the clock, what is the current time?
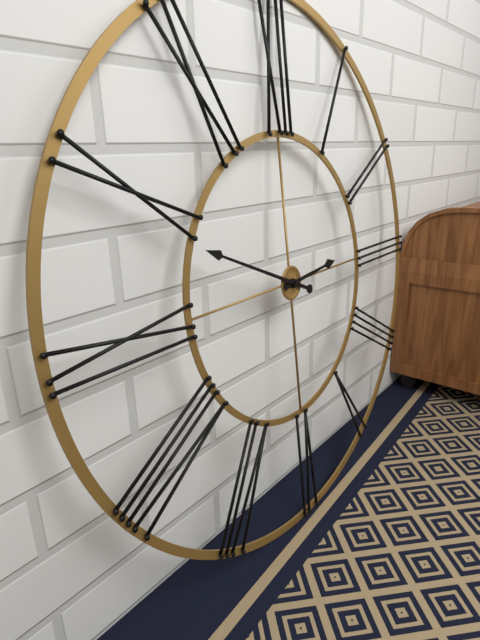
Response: 2:49
